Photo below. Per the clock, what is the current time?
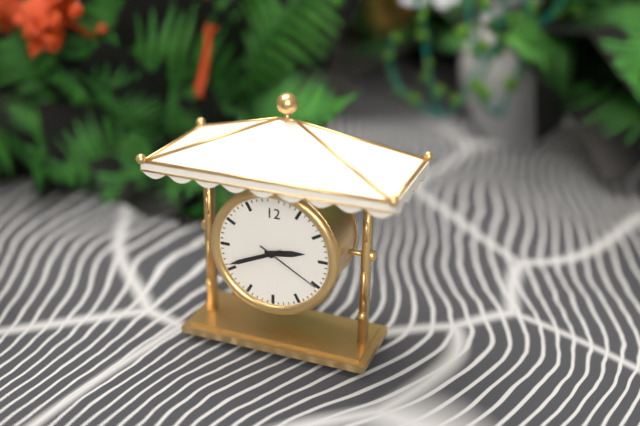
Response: 2:41:20
